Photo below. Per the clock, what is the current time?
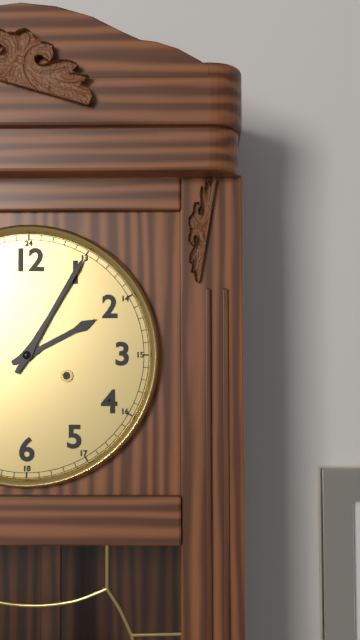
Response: 2:05
